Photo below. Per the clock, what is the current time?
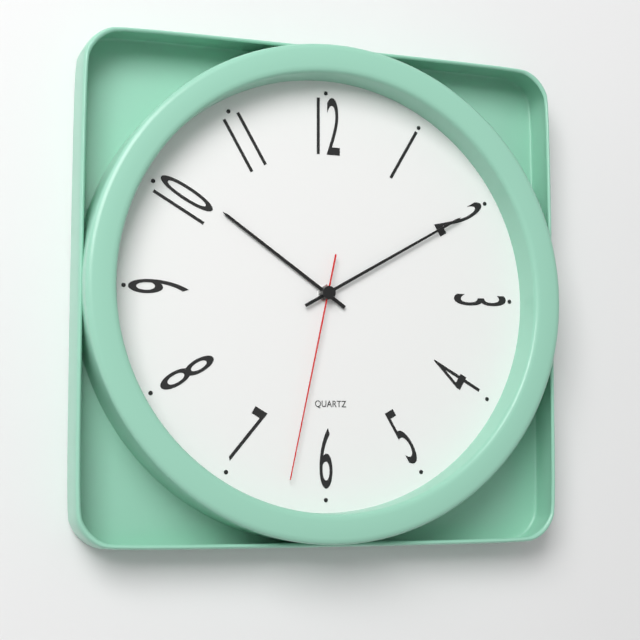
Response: 10:10:32
